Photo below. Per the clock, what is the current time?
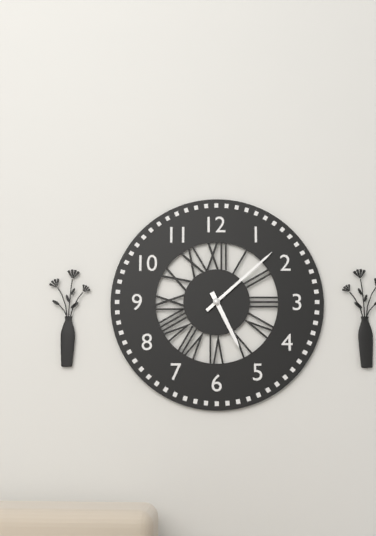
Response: 5:08
